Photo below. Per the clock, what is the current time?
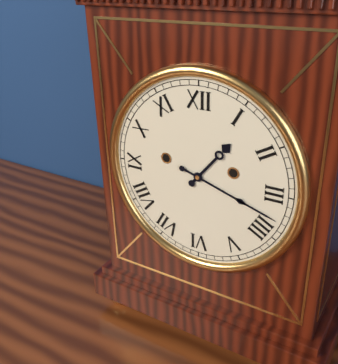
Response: 1:18
